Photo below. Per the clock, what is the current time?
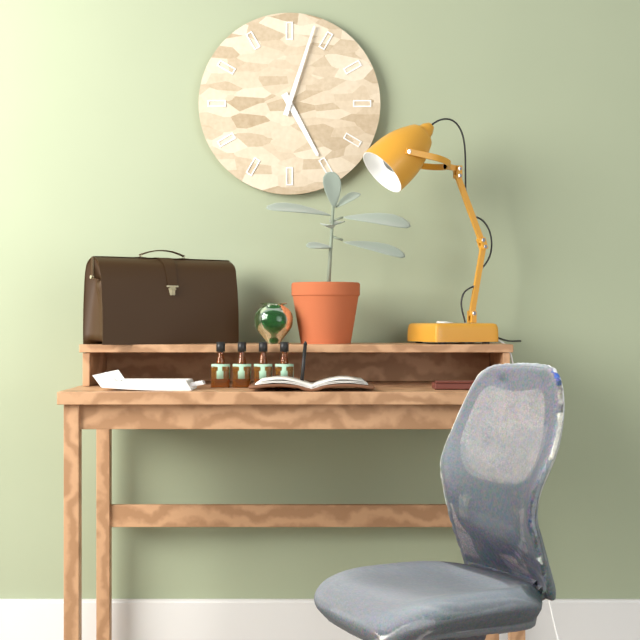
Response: 5:03
